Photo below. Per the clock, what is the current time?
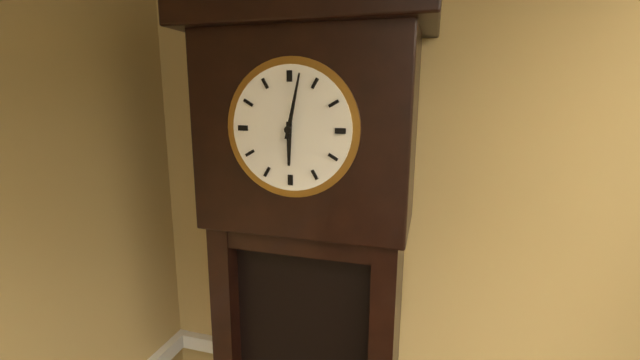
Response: 6:02
